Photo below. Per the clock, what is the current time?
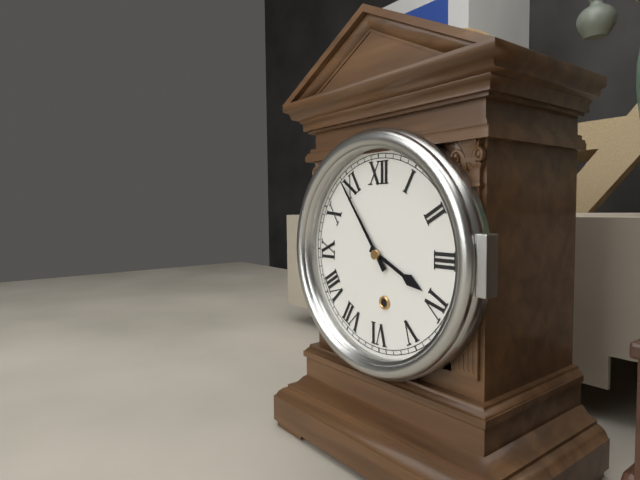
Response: 3:54
